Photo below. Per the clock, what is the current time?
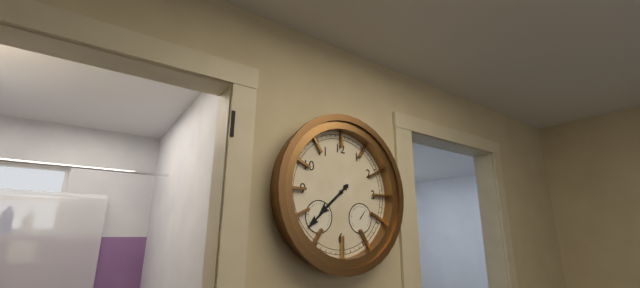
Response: 7:38
